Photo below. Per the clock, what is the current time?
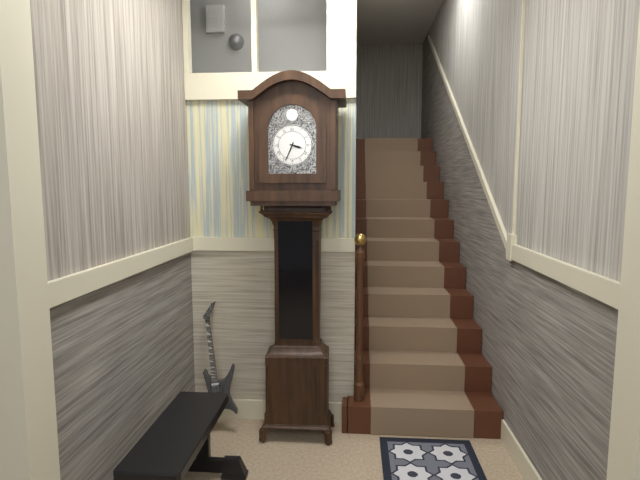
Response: 3:34
